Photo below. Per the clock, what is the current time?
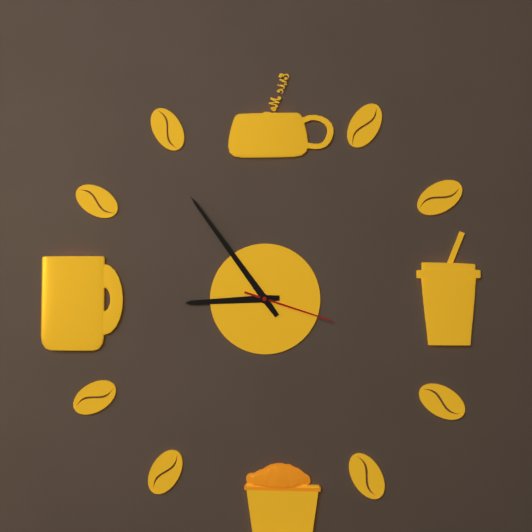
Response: 8:54:18
